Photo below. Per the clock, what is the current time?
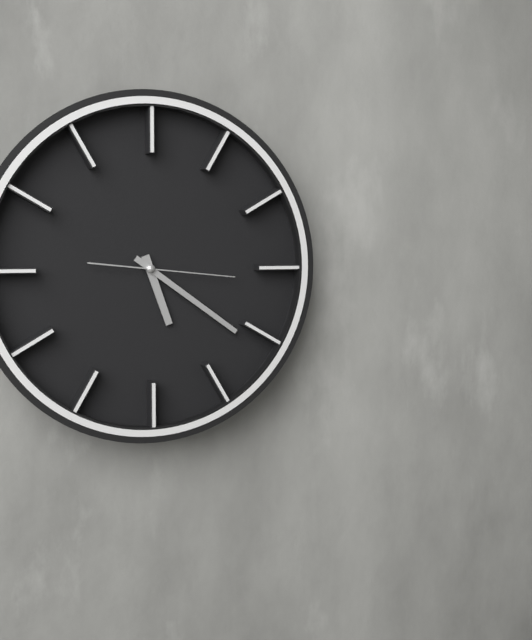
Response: 5:21:16
